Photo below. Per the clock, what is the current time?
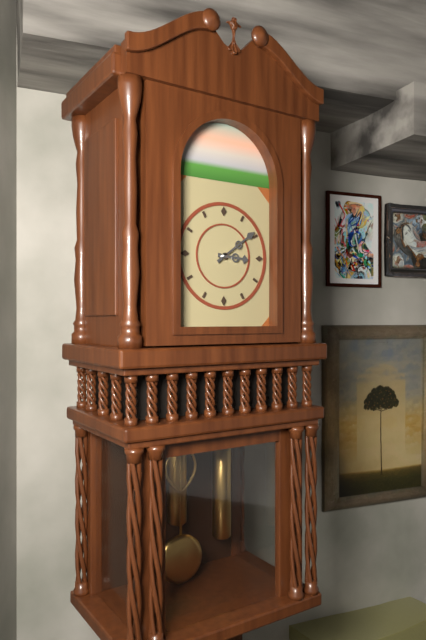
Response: 3:09
